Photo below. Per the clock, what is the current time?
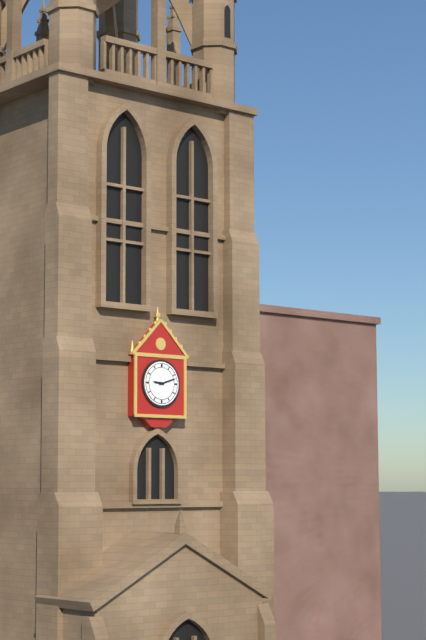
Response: 9:12
